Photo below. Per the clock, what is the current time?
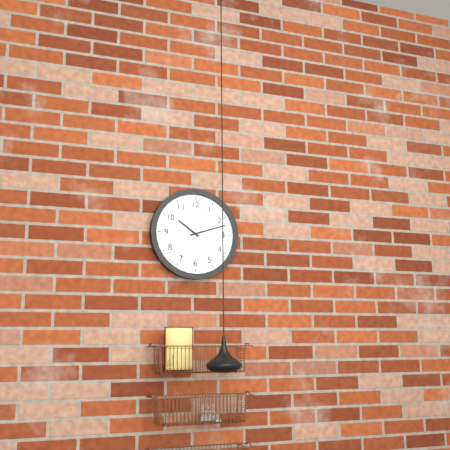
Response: 10:12
